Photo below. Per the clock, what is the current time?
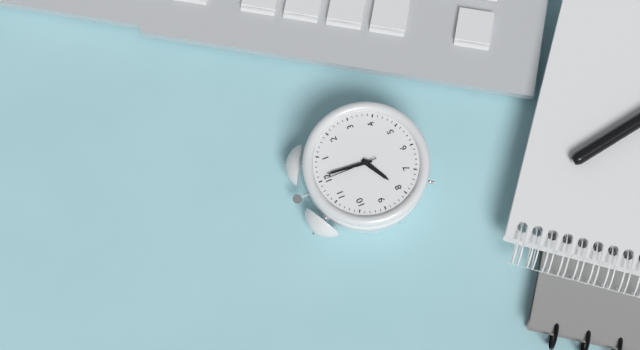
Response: 8:01:00
